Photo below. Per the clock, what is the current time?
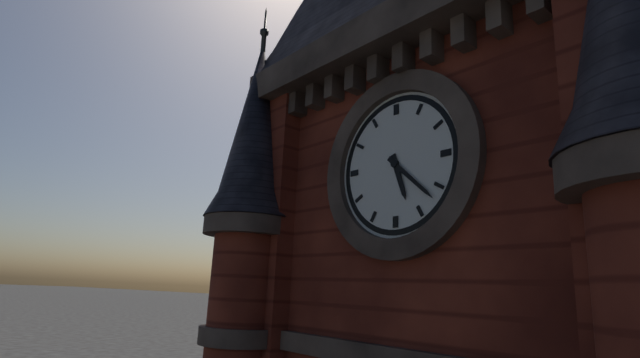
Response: 5:22
